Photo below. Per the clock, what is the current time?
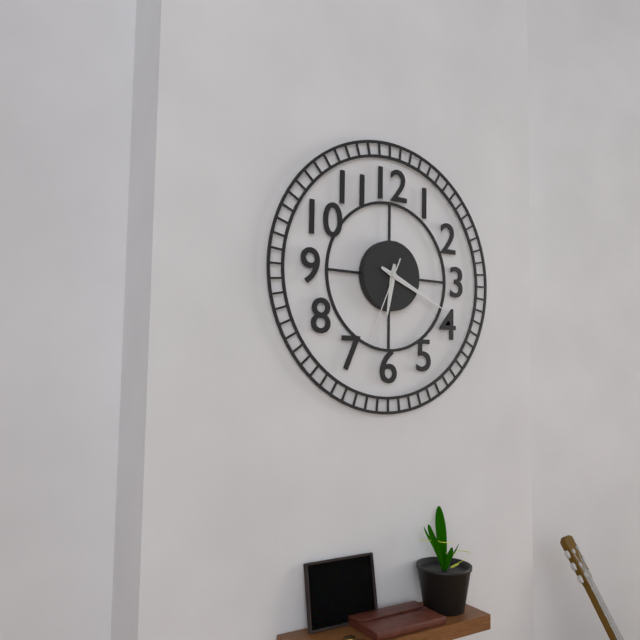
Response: 6:19:34
